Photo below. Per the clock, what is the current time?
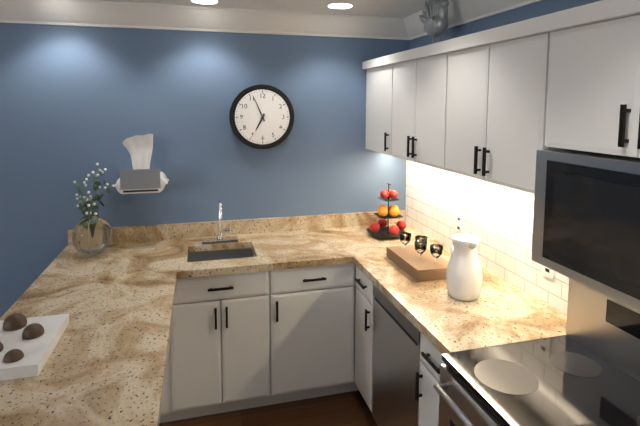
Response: 6:56
